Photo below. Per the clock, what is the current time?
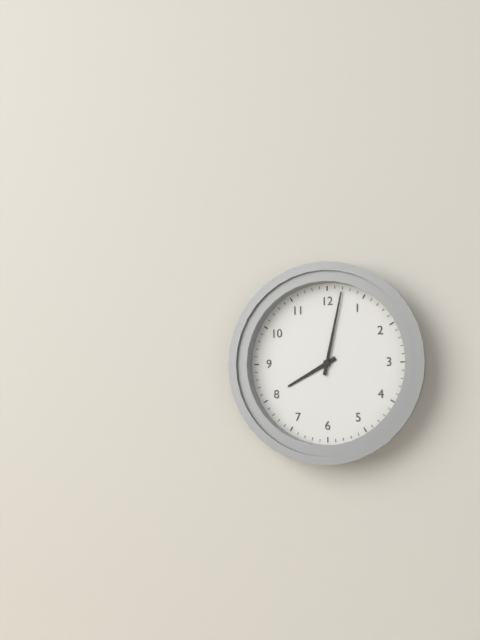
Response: 8:02
